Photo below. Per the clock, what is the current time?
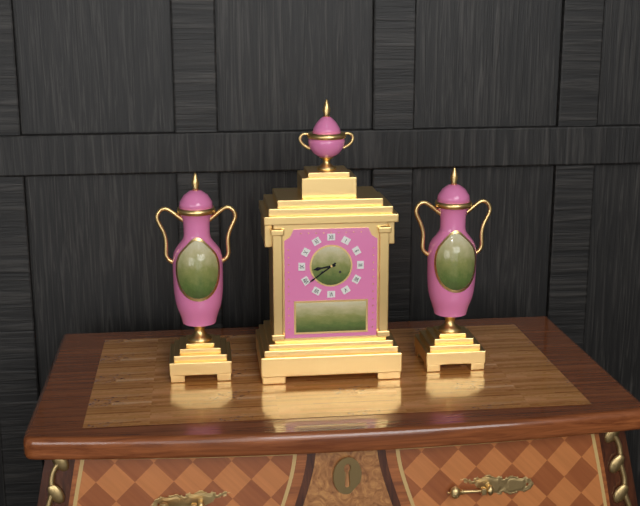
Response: 8:39
